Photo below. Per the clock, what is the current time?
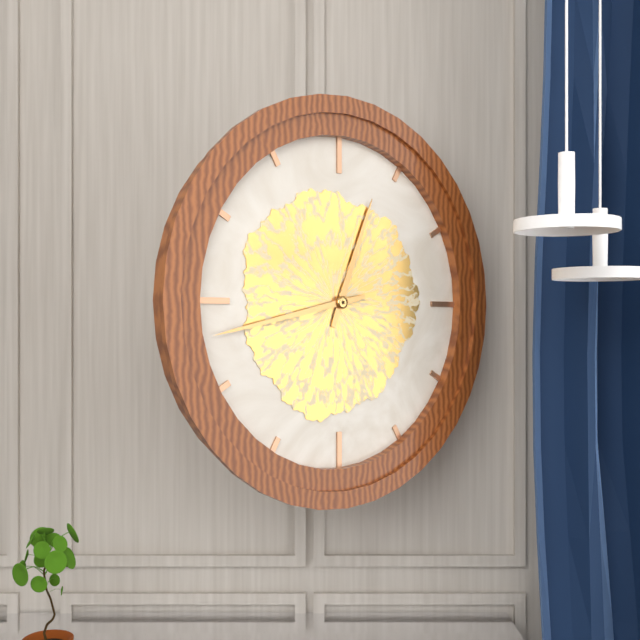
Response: 12:43
